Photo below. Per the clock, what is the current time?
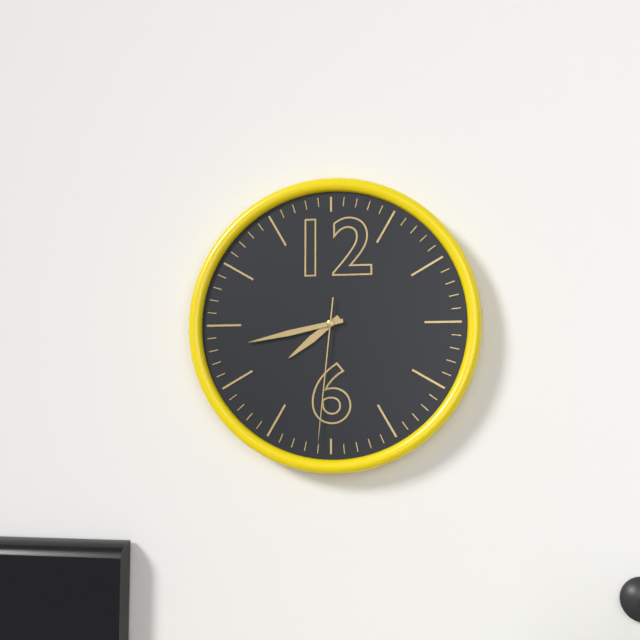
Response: 7:43:31
